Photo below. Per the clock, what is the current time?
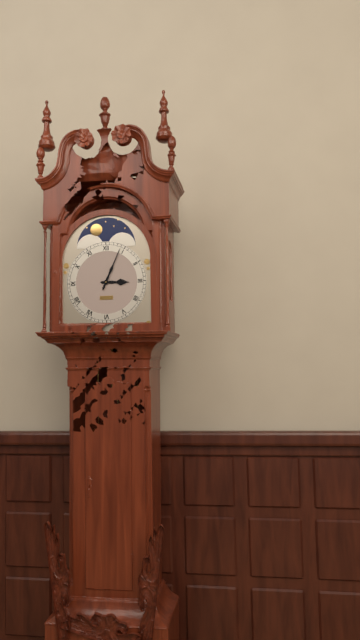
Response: 3:04
